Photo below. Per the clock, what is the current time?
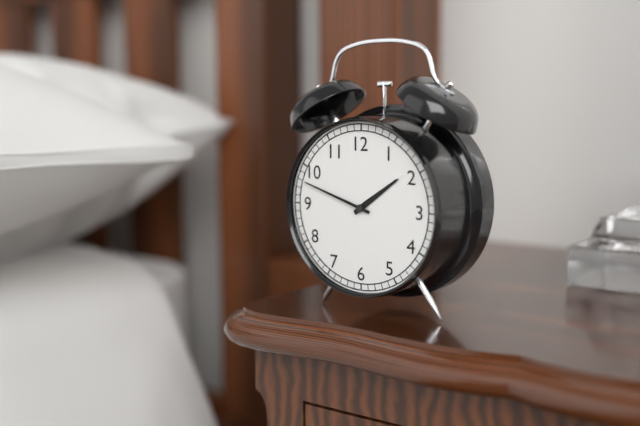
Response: 1:48
